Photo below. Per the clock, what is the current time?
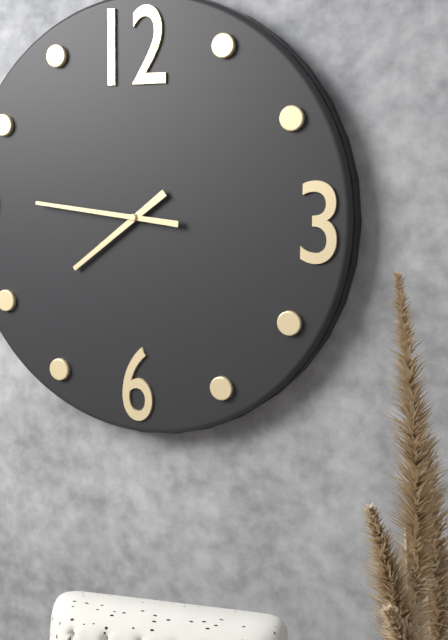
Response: 7:46
